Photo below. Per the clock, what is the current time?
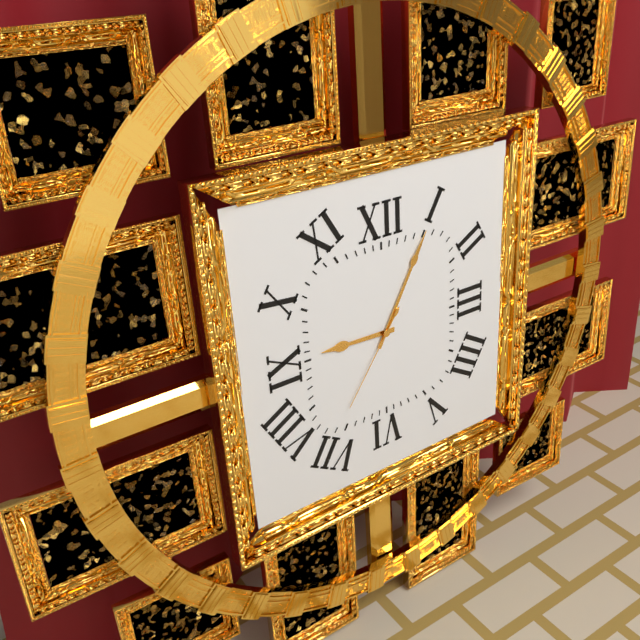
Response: 9:05:36
